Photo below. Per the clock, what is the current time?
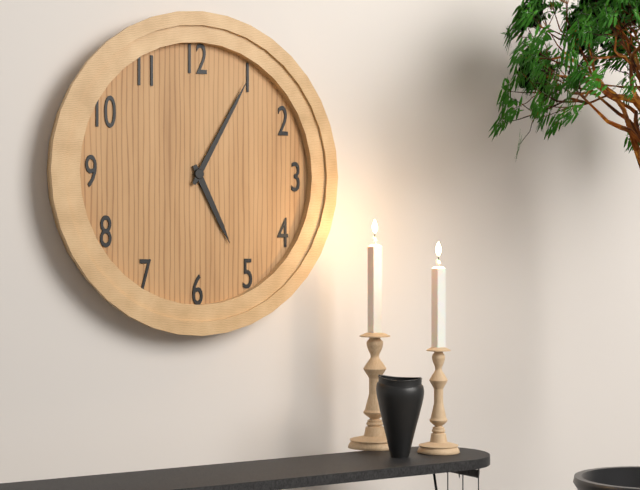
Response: 5:05
